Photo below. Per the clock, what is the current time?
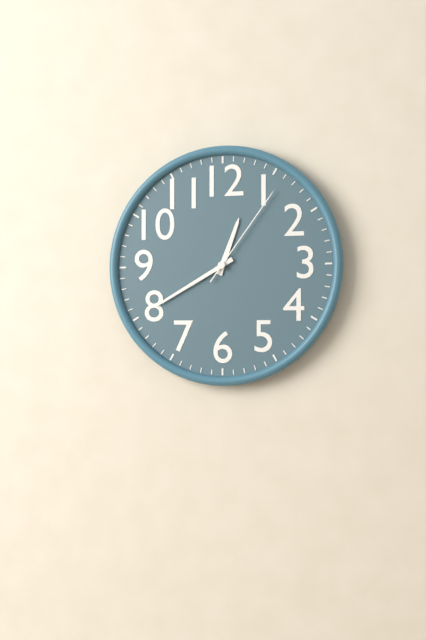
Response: 12:40:06
